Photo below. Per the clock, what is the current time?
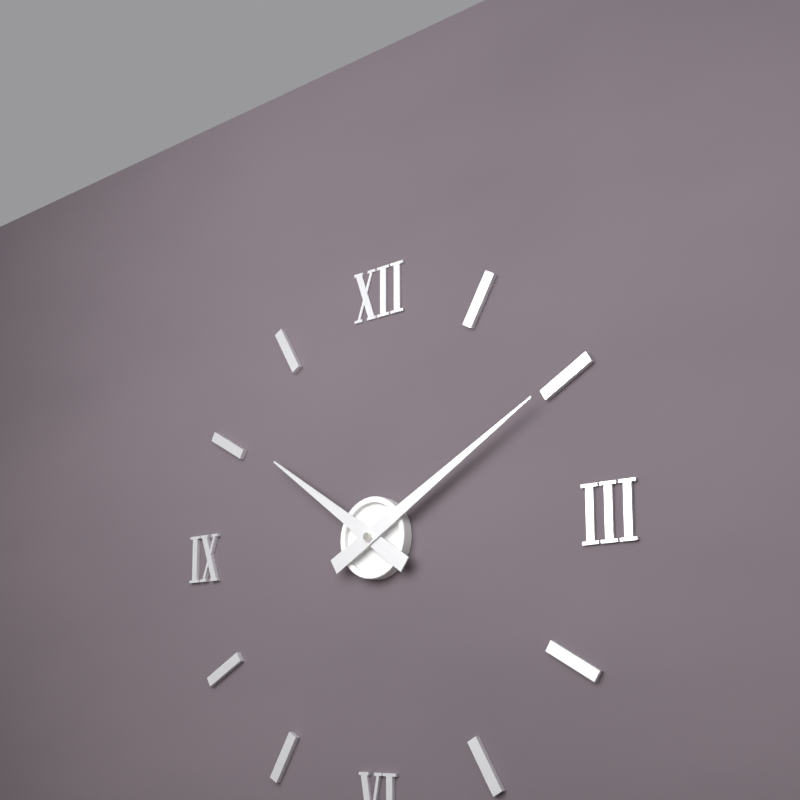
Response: 10:10
